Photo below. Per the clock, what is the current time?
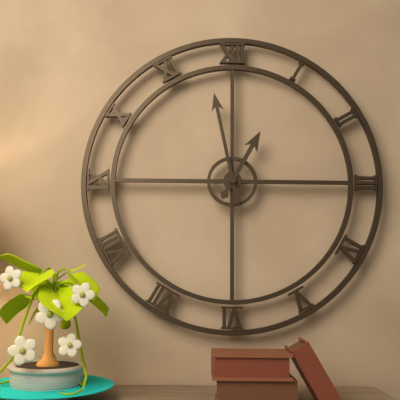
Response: 12:58
